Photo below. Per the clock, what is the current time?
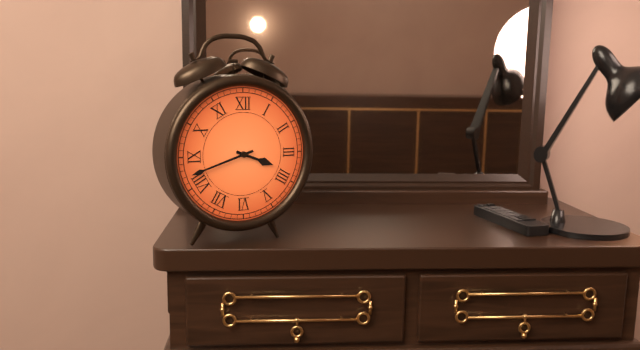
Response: 3:42
